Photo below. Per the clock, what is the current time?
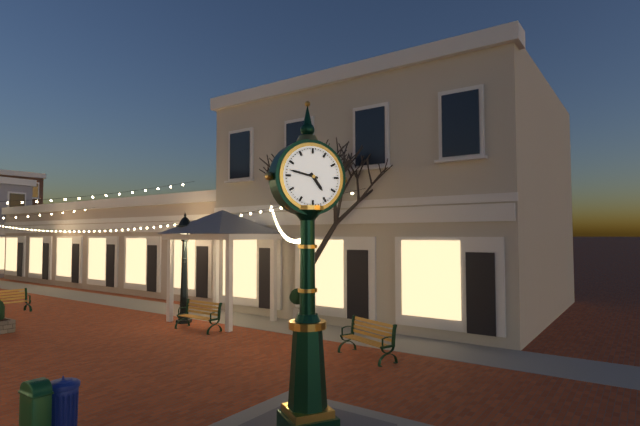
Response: 4:47
